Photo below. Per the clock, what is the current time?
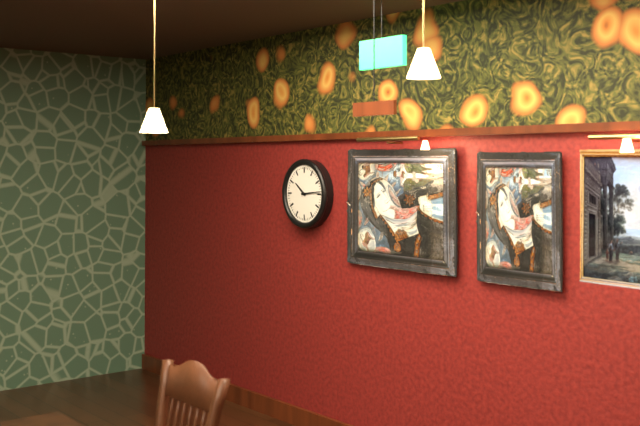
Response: 10:14
